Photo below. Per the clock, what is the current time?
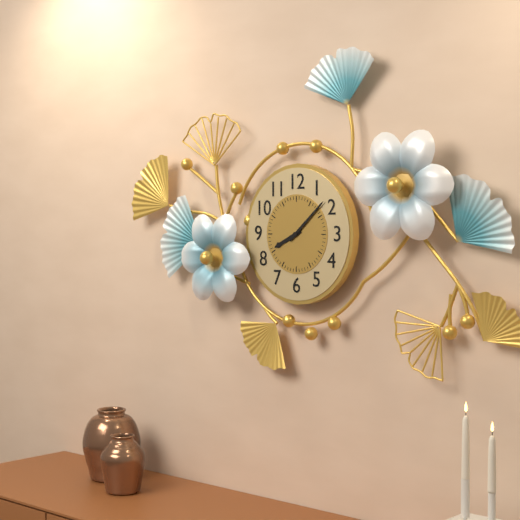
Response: 8:08
